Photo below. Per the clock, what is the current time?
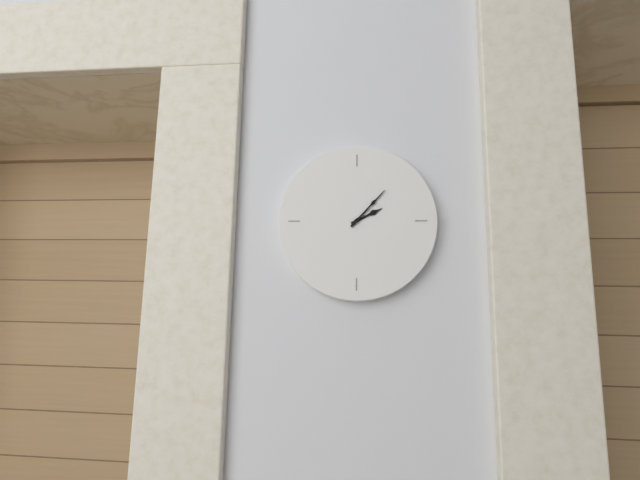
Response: 2:07
